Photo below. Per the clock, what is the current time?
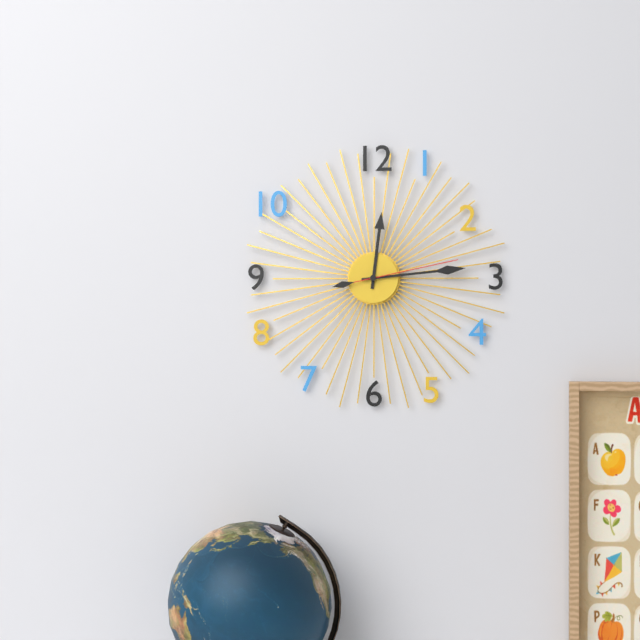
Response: 12:14:13
